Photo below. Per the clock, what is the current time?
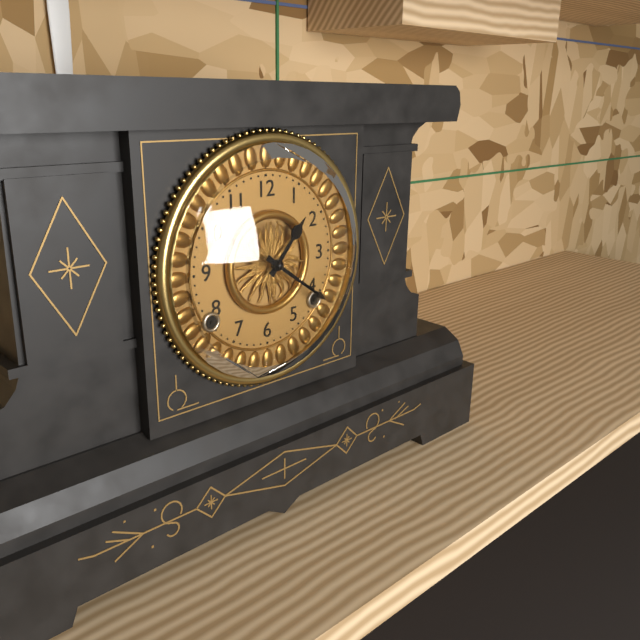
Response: 1:21
